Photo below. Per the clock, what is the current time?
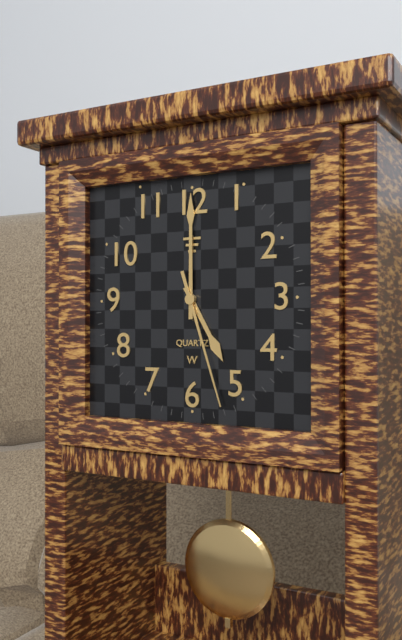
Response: 5:00:27
